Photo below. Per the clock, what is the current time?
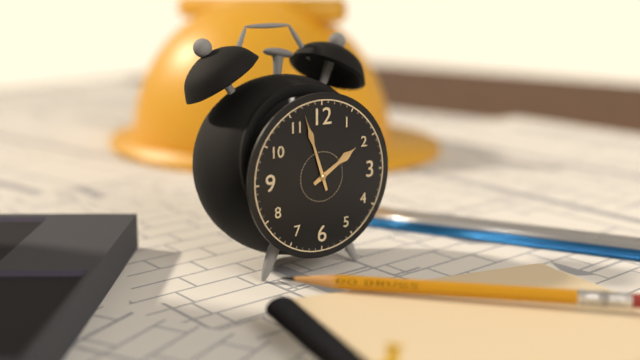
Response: 1:57
